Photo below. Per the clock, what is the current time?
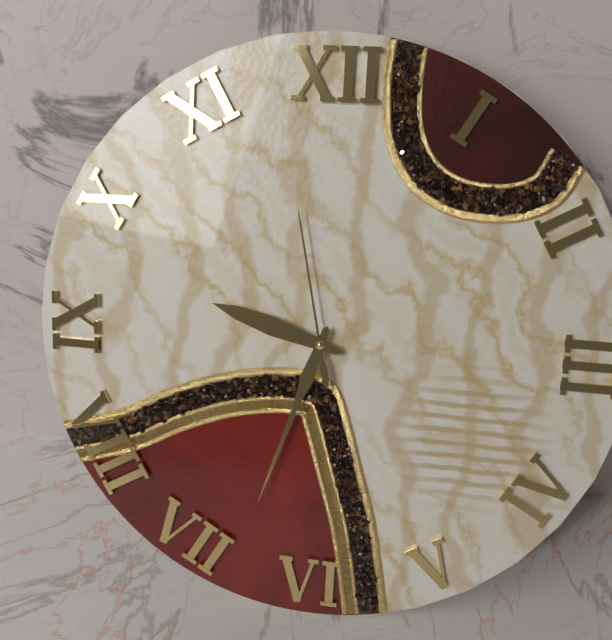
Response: 9:33:58
